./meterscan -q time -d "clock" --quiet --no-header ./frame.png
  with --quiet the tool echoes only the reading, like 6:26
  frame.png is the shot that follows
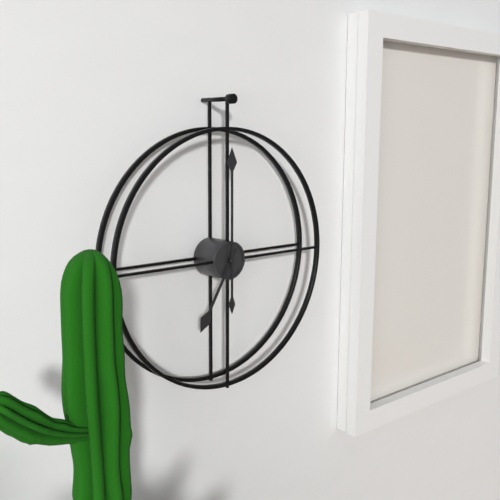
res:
7:00
